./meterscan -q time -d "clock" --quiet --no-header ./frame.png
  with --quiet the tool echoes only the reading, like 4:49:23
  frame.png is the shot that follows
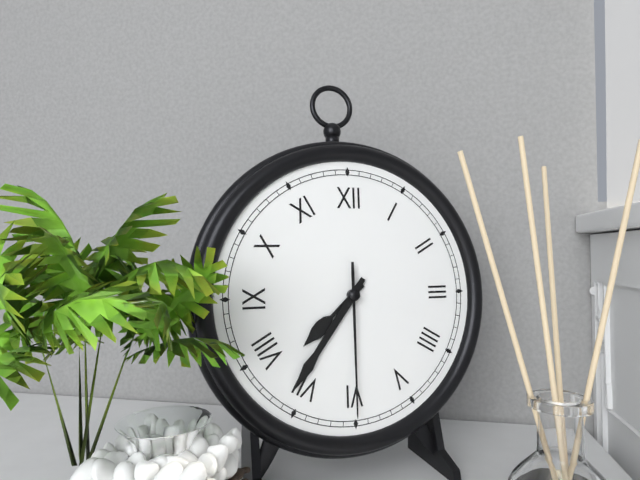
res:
7:36:30
